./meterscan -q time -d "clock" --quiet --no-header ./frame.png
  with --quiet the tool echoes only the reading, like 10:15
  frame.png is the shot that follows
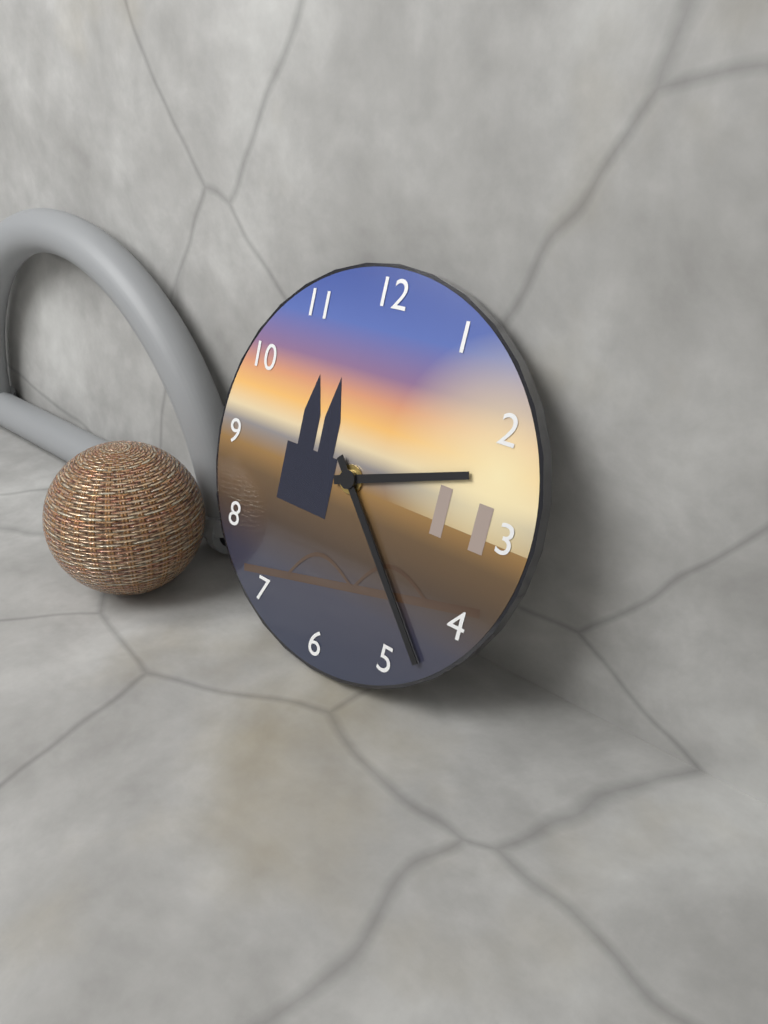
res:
2:23
